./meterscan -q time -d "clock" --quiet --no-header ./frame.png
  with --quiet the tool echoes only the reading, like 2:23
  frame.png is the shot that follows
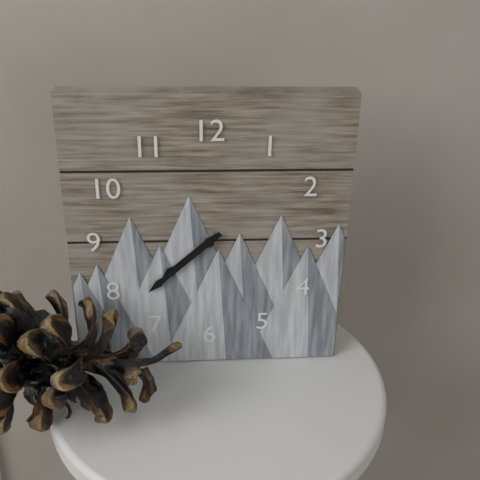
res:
7:38
